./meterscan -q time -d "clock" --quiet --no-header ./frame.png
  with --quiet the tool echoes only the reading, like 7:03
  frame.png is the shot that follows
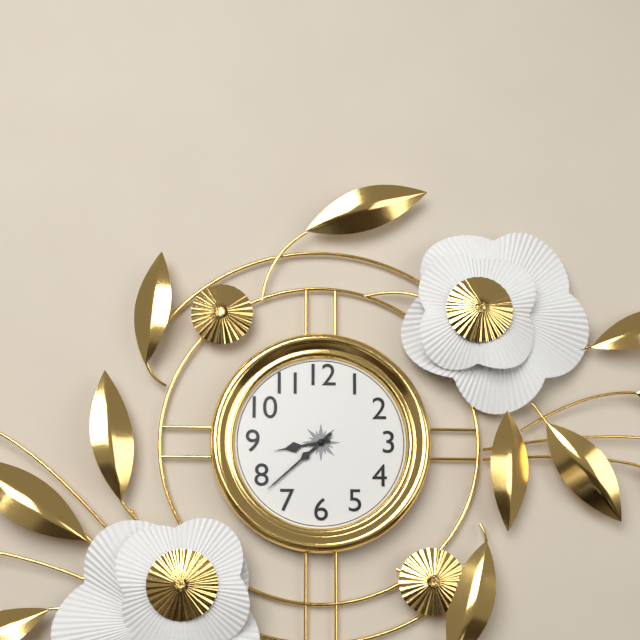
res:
8:38
